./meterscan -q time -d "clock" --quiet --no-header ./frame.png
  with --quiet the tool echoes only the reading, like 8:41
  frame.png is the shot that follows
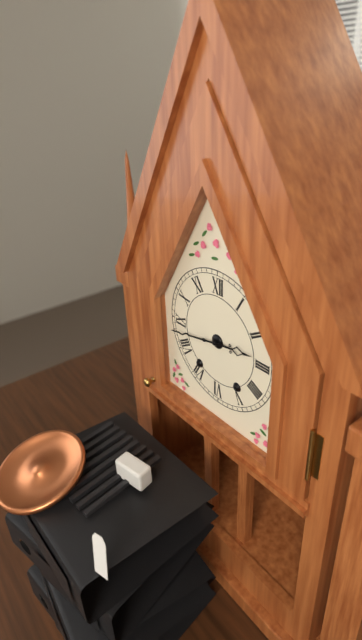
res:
2:43
